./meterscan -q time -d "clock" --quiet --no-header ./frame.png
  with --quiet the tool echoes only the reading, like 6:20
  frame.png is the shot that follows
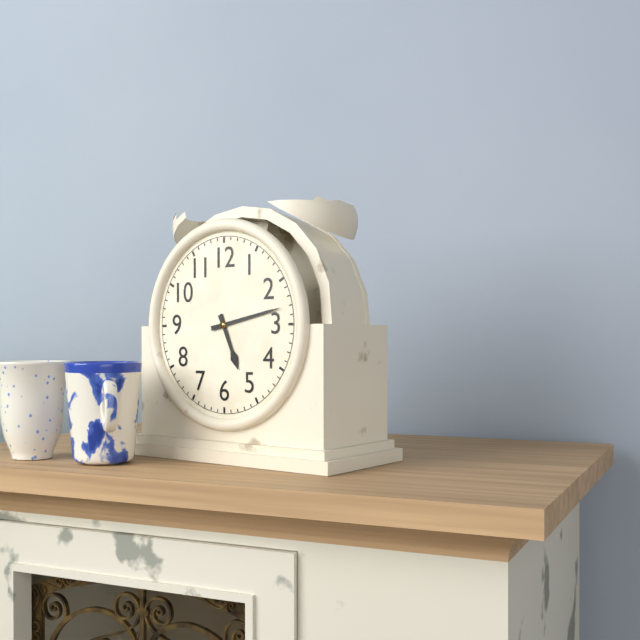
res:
5:13
